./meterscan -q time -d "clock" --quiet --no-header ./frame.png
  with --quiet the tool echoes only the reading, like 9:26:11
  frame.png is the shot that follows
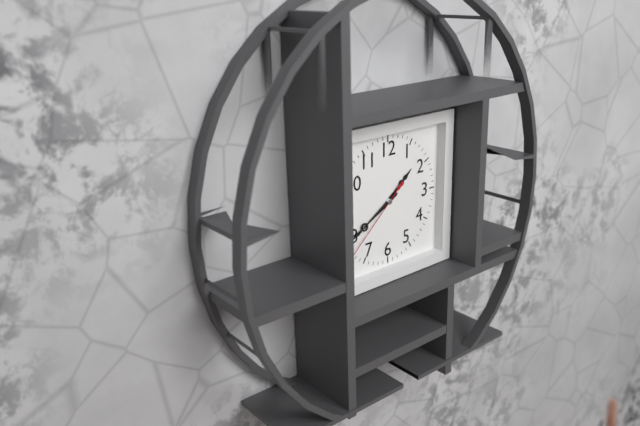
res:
1:40:38
